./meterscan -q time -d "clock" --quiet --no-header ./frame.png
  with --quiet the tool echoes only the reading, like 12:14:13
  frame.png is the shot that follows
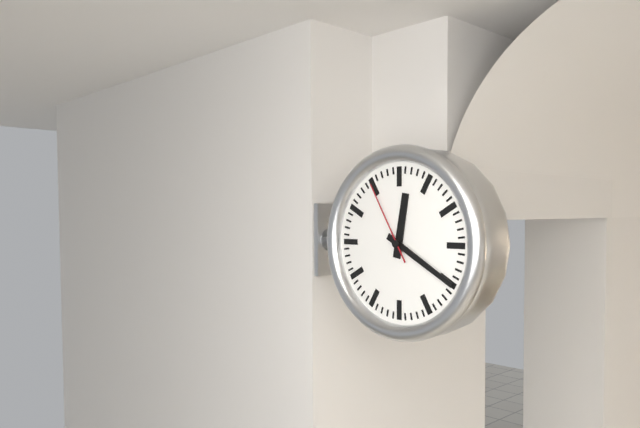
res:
12:20:55
